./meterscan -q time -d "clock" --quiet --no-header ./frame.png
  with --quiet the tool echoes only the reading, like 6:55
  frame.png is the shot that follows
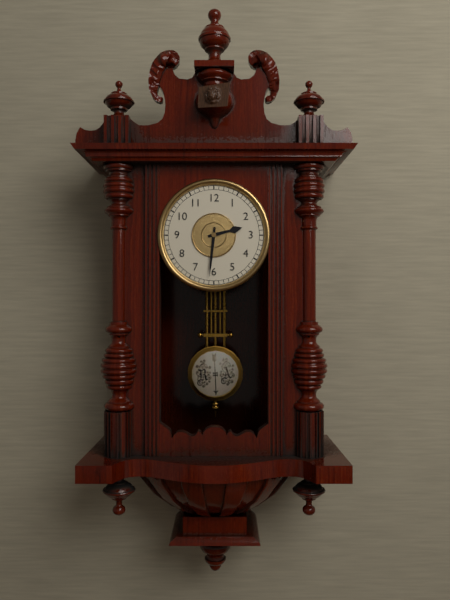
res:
2:31
